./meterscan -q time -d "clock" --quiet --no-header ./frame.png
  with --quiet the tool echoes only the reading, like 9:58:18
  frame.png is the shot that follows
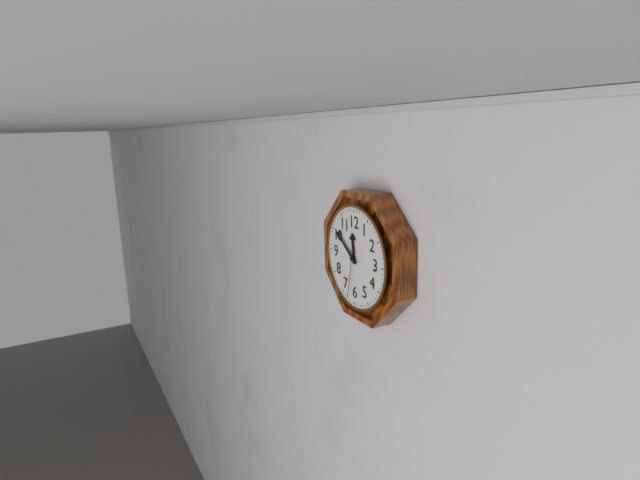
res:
11:51:32
